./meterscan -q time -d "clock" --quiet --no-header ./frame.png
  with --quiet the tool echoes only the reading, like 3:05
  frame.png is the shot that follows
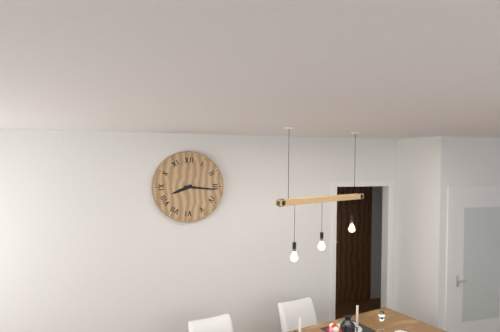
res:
8:16
